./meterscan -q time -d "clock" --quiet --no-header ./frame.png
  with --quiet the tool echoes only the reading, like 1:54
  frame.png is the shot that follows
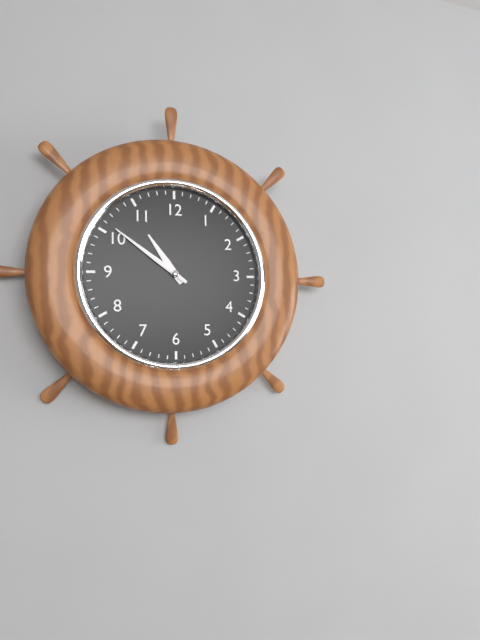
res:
10:51
